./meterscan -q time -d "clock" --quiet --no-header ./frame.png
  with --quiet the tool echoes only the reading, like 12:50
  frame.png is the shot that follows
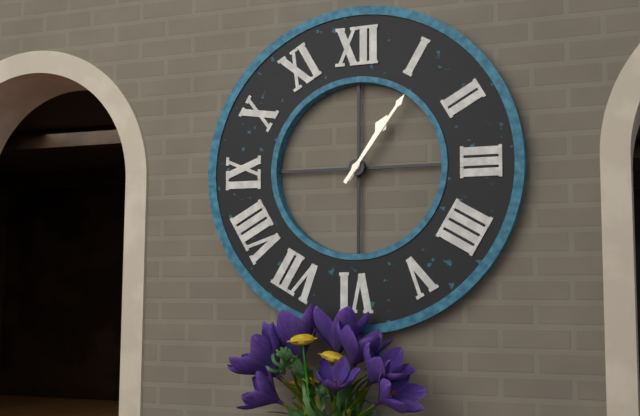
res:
1:06
